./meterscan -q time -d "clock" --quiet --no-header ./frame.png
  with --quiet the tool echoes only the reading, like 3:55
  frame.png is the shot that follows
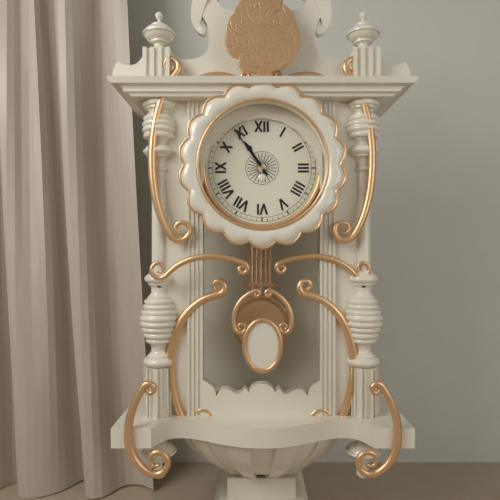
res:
10:54
